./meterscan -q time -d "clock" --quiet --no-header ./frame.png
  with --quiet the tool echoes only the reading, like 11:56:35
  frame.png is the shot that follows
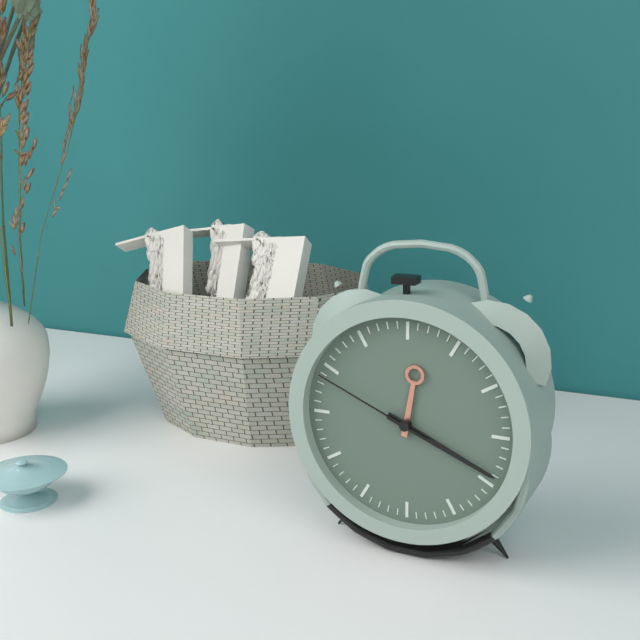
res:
12:19:49
